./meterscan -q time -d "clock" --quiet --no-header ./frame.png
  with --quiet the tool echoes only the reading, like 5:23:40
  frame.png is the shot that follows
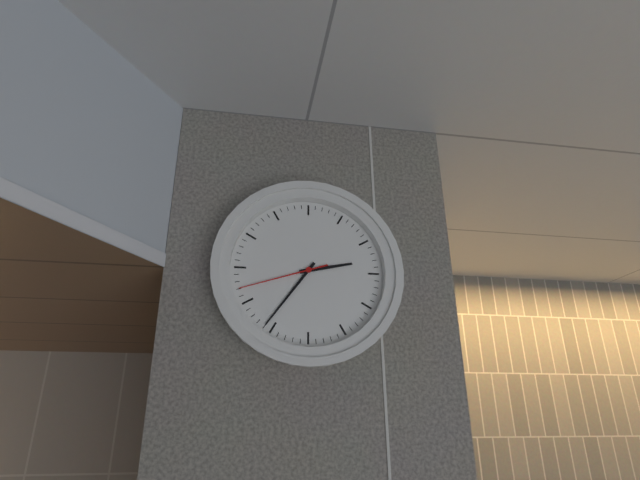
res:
2:36:42
